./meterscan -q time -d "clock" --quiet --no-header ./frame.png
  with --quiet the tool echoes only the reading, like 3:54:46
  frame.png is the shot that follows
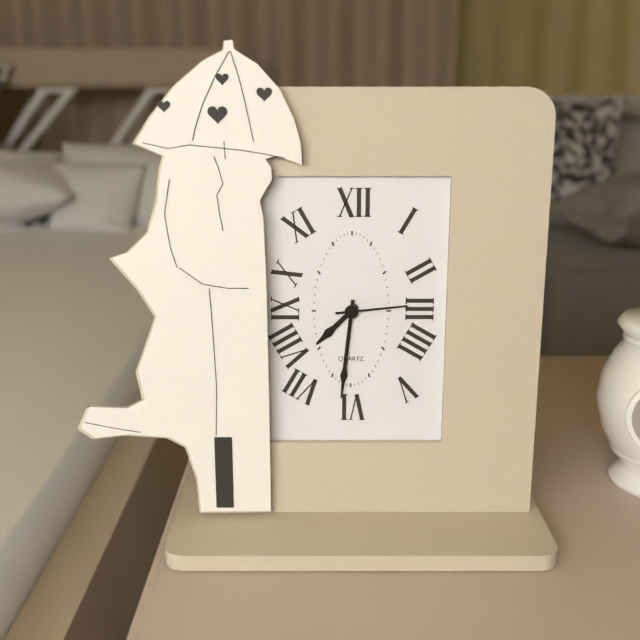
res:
7:31:14
